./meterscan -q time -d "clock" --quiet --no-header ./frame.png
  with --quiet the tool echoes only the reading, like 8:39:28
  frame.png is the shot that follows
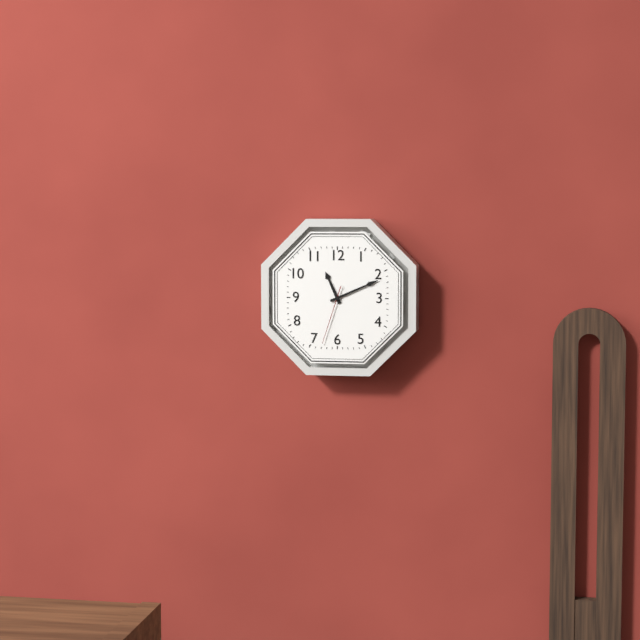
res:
11:11:33
